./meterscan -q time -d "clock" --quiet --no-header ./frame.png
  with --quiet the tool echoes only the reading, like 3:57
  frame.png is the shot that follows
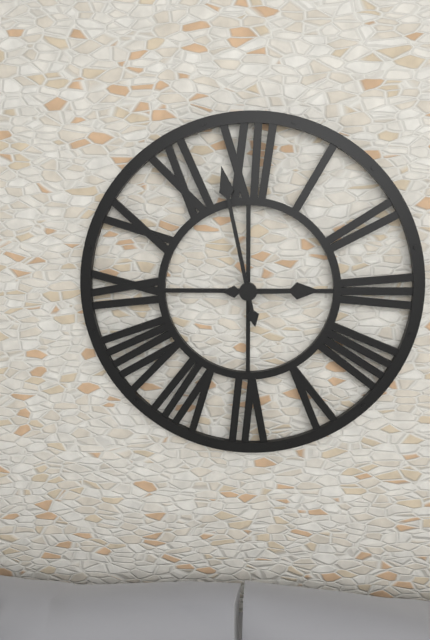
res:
2:58
